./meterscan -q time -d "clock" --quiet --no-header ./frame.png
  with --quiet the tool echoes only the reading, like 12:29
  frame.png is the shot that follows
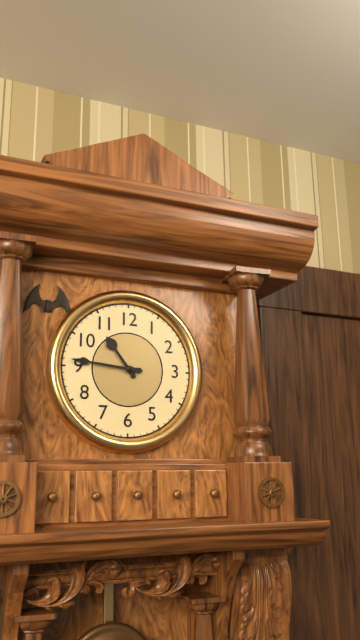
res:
10:46
